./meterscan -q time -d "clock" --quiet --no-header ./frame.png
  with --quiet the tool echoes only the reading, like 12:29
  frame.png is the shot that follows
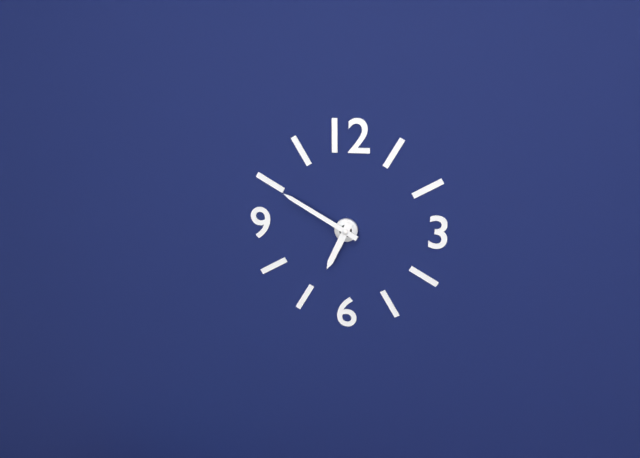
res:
6:50
